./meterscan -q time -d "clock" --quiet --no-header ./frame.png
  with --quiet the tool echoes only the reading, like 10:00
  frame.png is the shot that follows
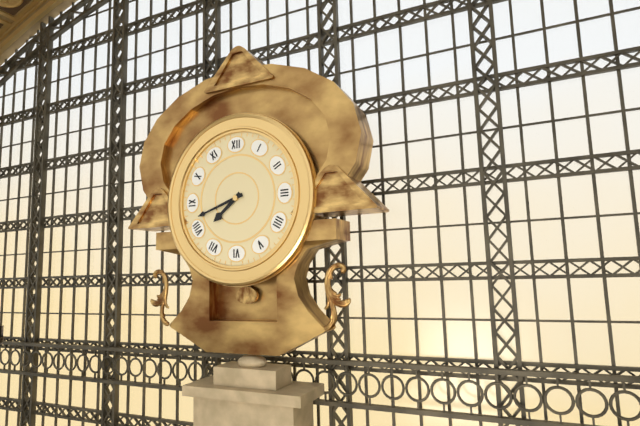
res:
7:42
